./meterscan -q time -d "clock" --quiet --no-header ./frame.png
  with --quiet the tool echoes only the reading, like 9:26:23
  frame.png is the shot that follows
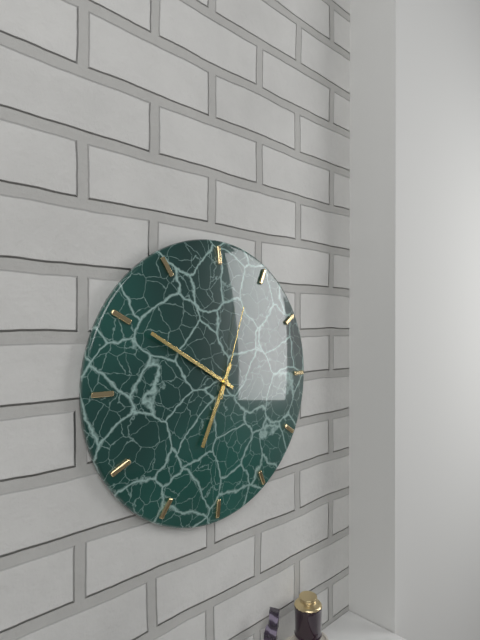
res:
6:50:03
